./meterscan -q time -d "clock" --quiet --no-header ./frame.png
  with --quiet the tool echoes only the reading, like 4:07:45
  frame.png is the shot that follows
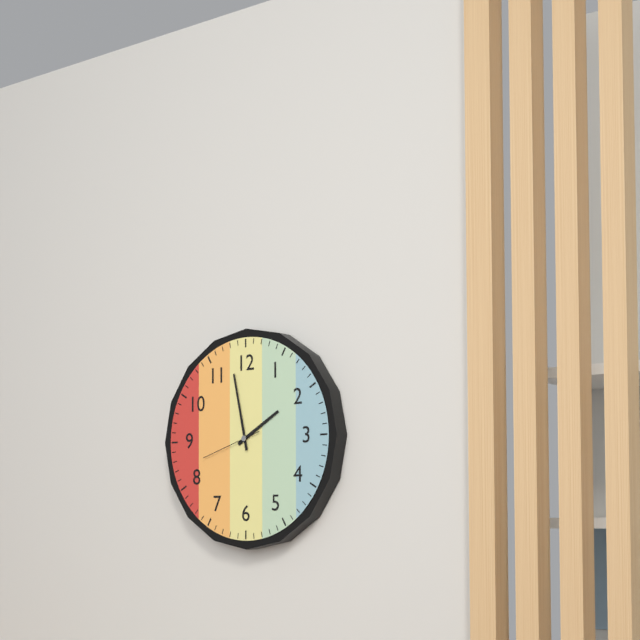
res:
1:58:42
